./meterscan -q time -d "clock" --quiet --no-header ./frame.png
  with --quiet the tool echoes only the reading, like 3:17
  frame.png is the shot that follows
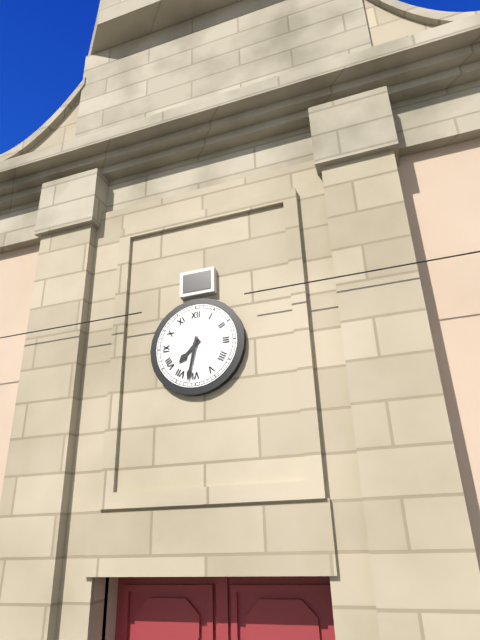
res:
7:32
